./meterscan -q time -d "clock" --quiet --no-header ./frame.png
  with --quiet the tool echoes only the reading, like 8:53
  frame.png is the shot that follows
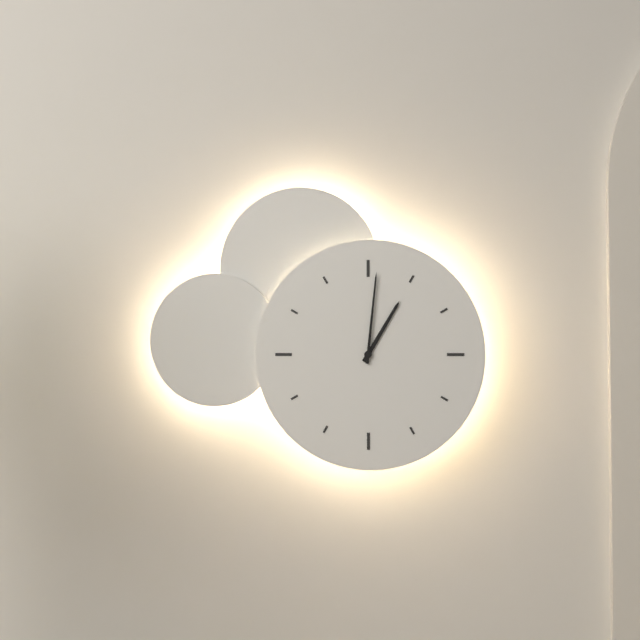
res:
1:01
